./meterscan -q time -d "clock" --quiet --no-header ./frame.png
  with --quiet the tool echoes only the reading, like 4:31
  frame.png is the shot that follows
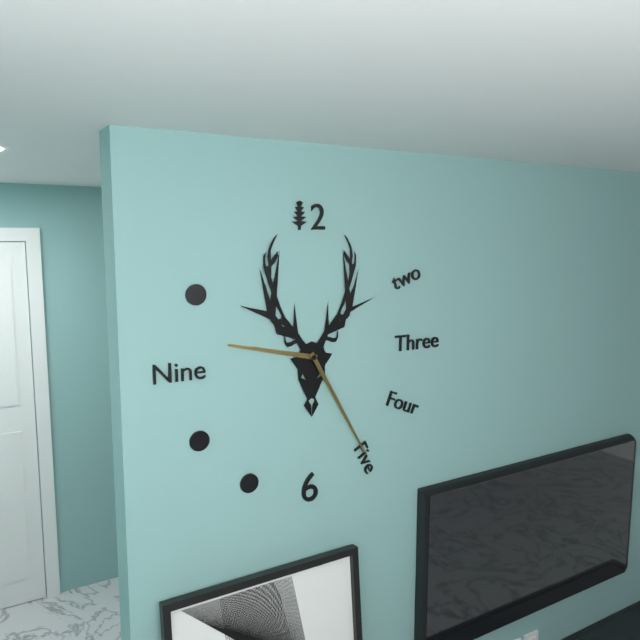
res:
9:25
